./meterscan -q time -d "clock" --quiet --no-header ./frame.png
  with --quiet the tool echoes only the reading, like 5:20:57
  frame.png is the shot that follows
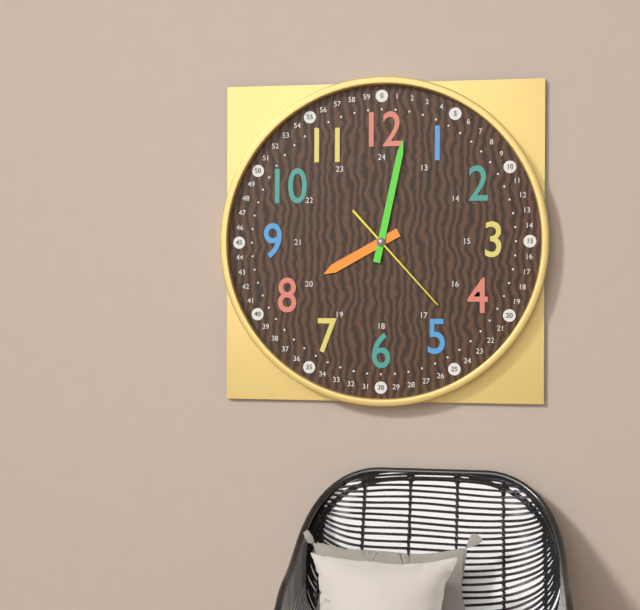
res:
8:02:23
